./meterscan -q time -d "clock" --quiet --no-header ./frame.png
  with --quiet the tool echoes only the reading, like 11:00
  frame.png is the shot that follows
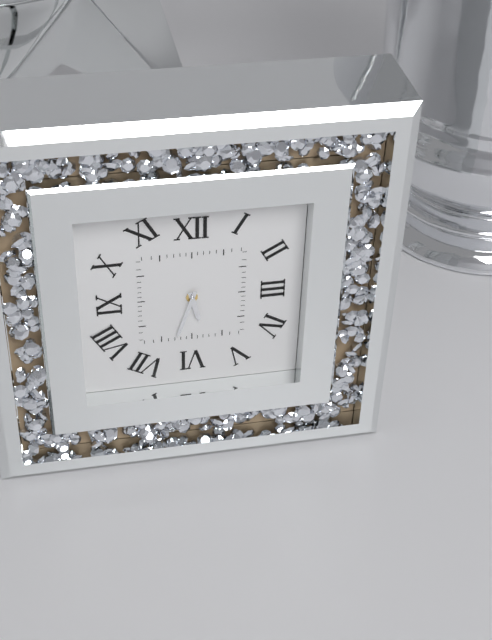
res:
5:33
